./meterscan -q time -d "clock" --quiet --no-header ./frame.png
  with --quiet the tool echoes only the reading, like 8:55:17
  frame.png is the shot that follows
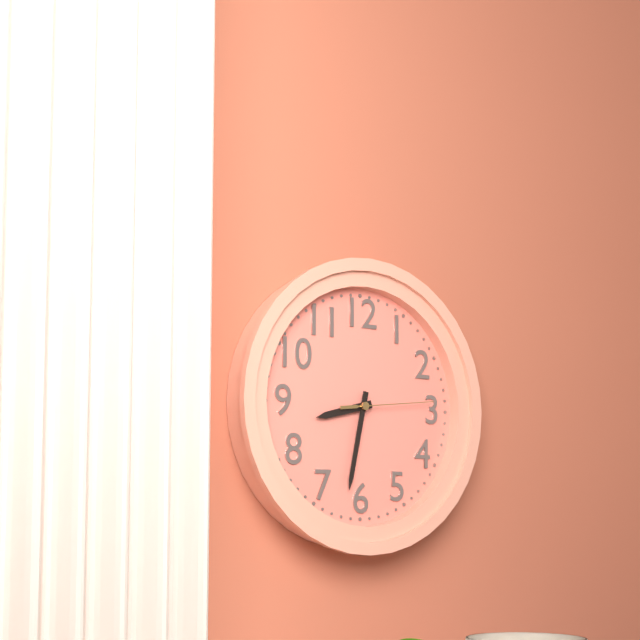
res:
8:32:14
